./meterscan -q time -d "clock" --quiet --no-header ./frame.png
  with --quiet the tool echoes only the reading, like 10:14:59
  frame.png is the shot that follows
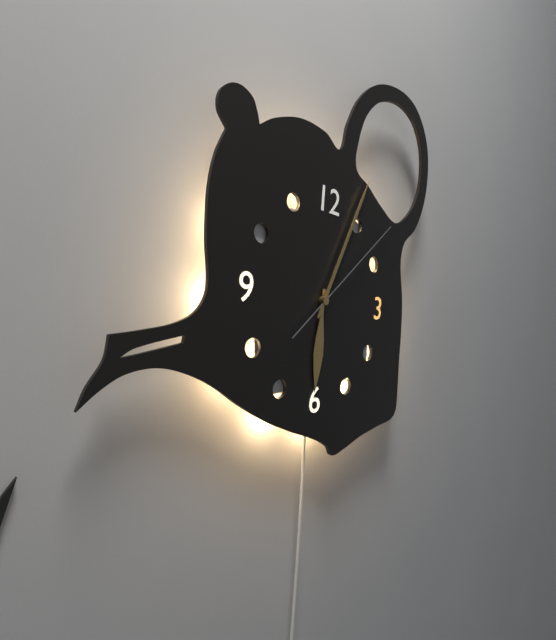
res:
6:04:08
